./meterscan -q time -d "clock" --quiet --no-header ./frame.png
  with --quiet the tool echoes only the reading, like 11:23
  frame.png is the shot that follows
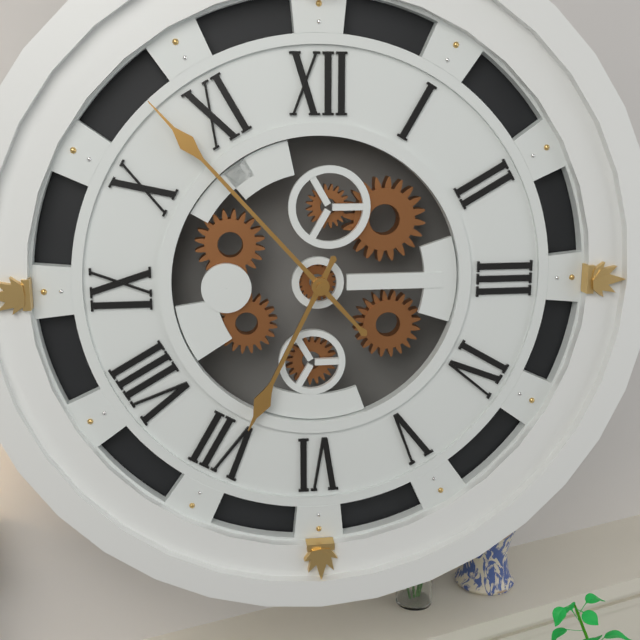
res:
6:53
